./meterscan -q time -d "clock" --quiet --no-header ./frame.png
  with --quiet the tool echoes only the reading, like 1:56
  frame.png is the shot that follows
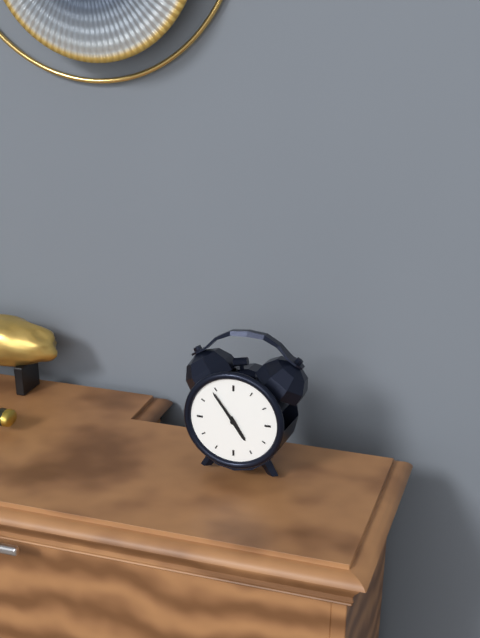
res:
4:54
